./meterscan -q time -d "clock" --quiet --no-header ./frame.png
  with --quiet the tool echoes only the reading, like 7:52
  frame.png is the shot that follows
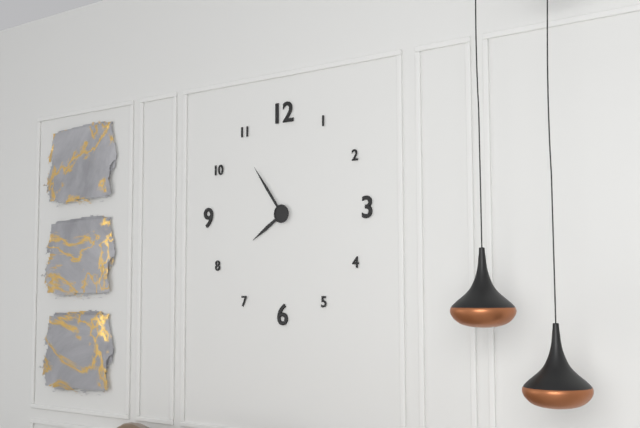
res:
7:54
